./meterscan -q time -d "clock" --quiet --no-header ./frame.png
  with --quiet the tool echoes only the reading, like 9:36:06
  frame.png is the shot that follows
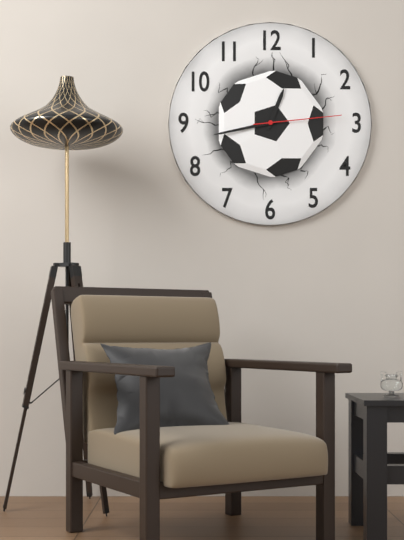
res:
12:43:14
